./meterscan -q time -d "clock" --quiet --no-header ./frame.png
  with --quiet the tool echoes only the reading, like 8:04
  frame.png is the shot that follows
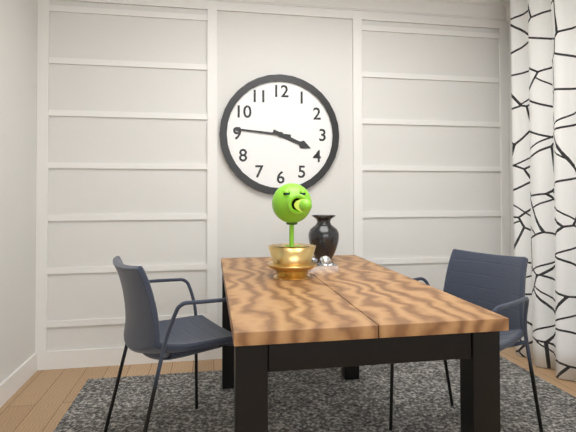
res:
3:46
